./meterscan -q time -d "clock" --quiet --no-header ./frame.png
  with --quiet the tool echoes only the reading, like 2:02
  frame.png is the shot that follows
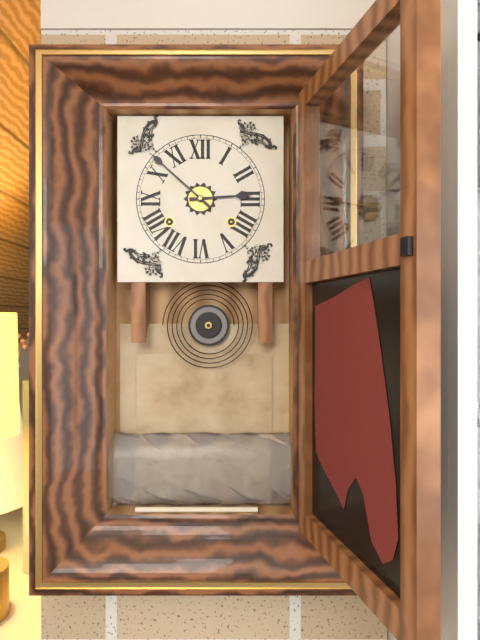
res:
2:52
